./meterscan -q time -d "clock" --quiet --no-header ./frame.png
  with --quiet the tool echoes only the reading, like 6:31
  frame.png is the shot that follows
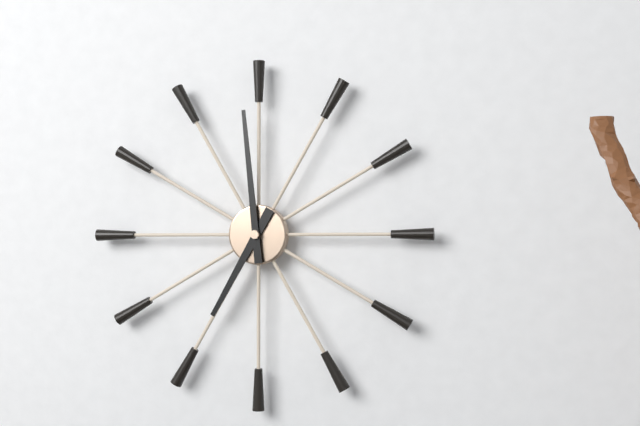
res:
6:59
